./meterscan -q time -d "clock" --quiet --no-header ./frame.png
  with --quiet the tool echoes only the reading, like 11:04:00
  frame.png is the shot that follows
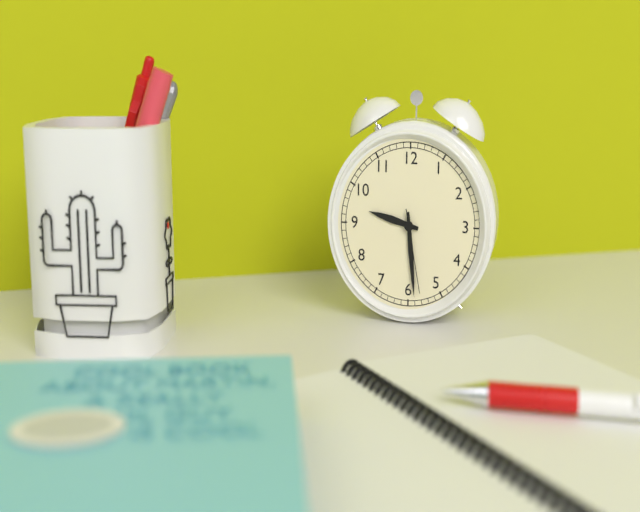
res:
9:29:28
